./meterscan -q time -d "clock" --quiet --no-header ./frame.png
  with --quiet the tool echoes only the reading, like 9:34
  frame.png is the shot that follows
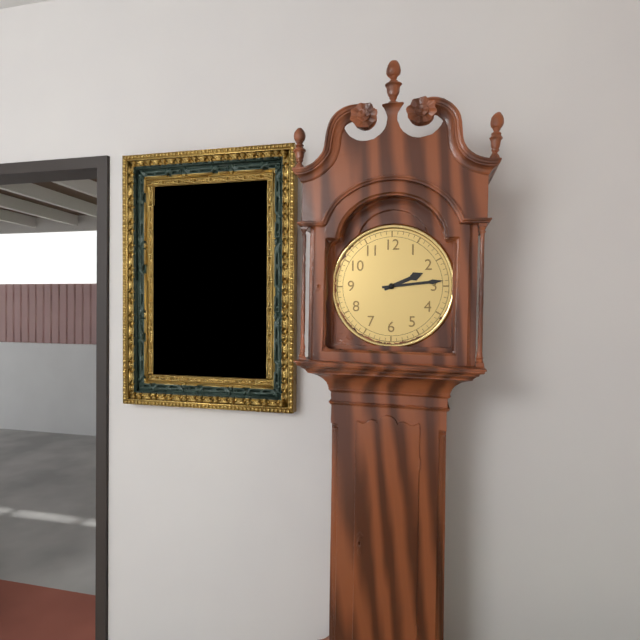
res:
2:14
